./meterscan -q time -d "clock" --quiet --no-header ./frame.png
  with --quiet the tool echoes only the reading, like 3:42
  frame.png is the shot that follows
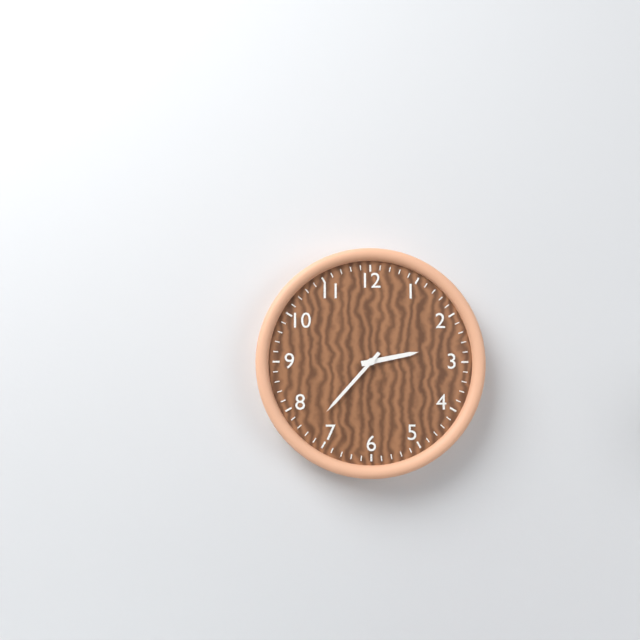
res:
2:37
